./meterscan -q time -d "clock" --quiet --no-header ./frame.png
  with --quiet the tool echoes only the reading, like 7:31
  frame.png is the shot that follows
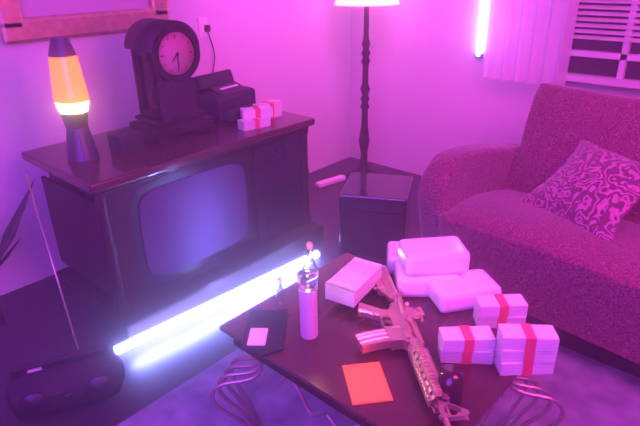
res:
7:30
